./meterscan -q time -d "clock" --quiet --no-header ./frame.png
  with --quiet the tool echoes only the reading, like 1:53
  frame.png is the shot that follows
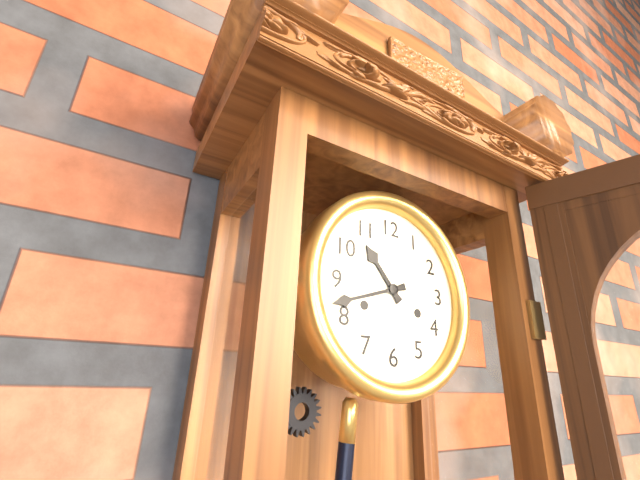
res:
10:42
